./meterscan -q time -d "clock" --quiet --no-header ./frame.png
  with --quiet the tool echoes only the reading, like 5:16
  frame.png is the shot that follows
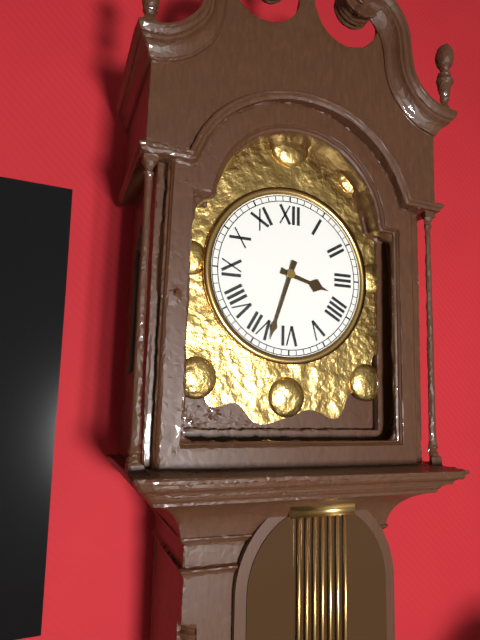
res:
3:33
